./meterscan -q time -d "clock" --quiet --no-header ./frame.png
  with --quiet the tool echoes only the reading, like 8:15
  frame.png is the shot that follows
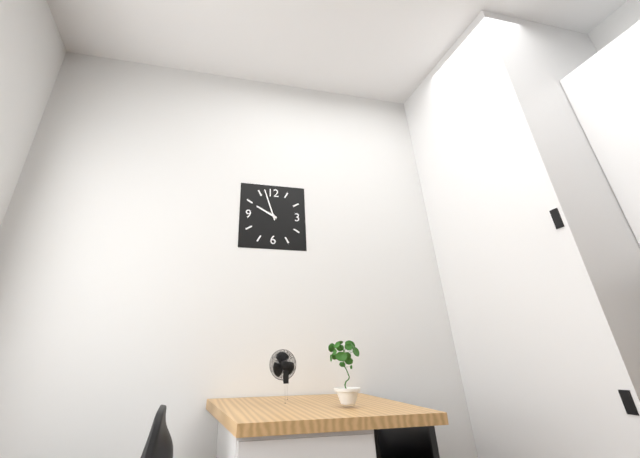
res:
9:57
